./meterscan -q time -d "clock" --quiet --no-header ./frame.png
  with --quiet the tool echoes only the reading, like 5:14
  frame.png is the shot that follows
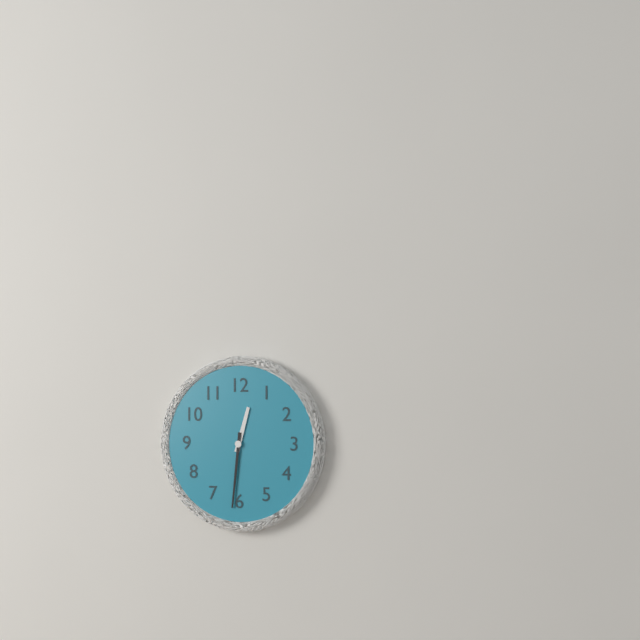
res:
12:31
